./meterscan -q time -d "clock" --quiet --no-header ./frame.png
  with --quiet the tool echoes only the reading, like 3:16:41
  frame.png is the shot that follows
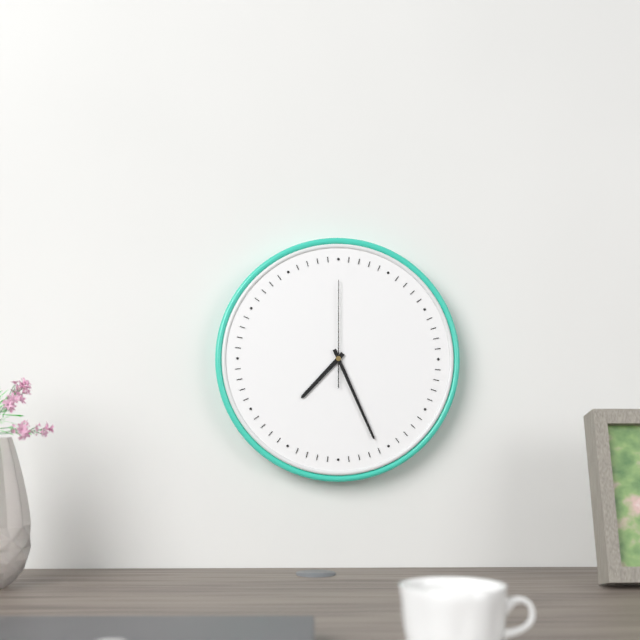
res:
7:26:00
